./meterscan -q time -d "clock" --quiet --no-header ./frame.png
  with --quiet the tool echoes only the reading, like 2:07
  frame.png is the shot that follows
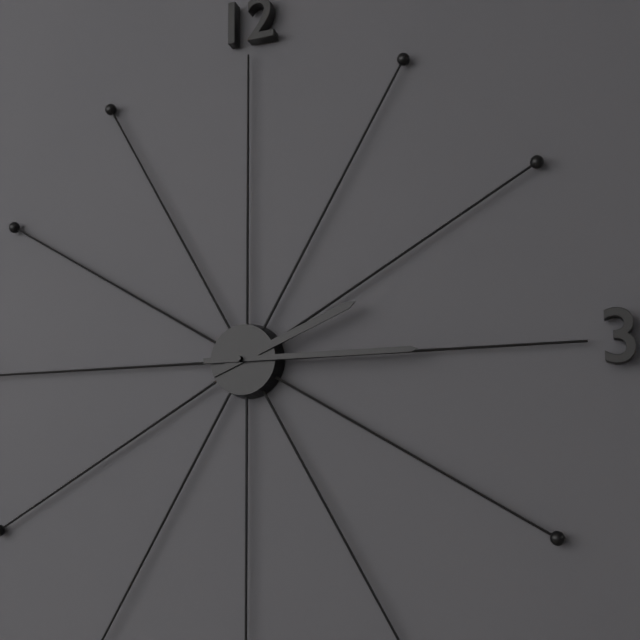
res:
2:15
